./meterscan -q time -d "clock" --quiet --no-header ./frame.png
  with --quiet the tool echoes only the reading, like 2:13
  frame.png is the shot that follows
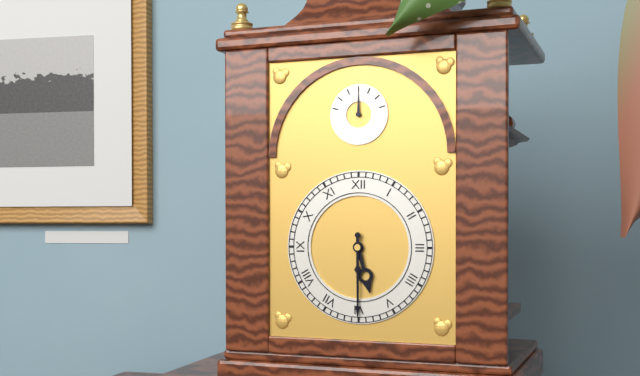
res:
5:30
